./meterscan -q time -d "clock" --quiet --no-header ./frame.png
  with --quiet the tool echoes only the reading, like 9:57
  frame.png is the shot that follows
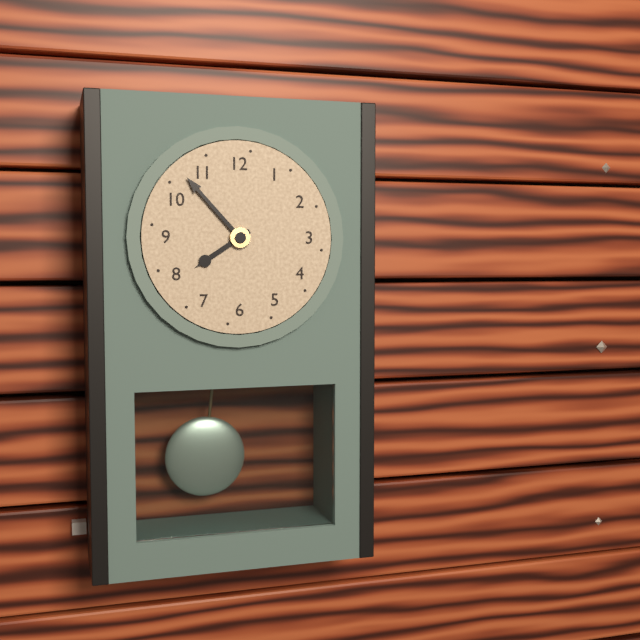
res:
7:53
